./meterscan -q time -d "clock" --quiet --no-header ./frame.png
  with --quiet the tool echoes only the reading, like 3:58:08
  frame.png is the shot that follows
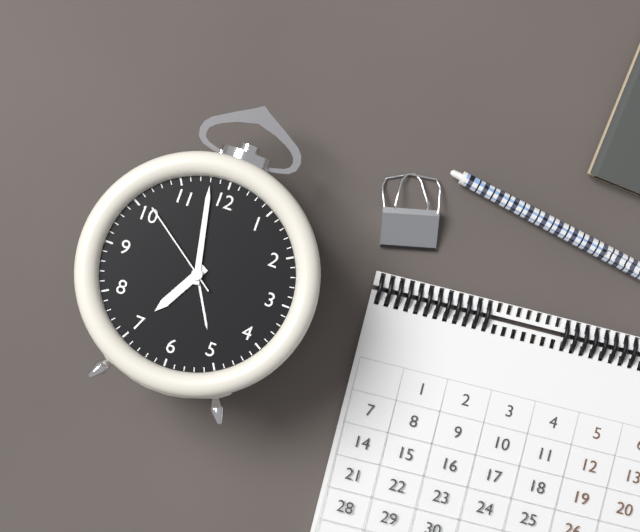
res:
6:58:51
